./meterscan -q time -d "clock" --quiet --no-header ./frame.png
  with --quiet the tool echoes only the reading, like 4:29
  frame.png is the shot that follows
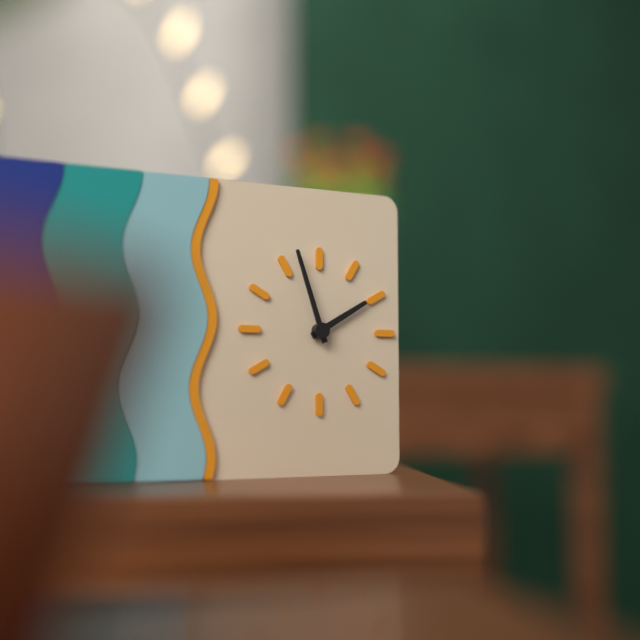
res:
1:57
